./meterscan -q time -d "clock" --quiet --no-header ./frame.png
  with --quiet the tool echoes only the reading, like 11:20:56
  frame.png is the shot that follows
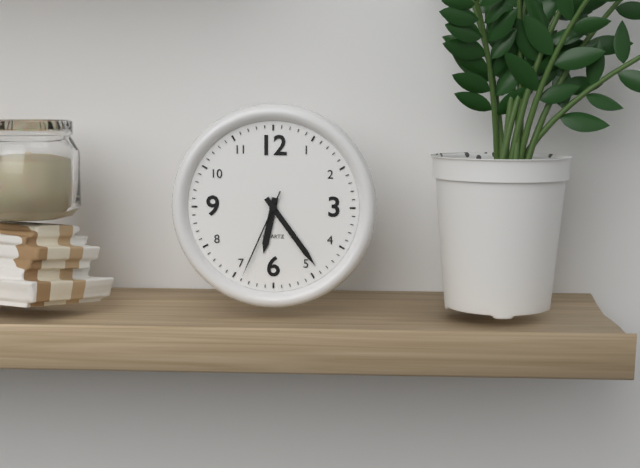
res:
6:24:34
